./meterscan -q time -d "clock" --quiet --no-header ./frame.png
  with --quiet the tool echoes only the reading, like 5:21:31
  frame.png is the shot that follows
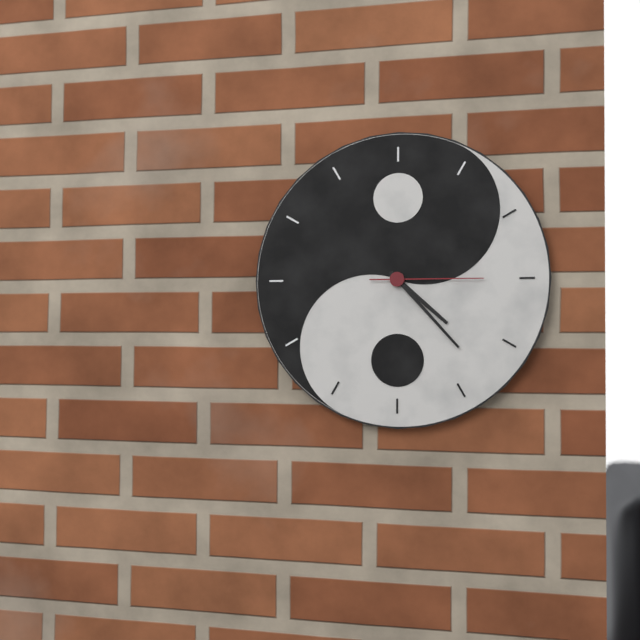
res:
4:23:15
